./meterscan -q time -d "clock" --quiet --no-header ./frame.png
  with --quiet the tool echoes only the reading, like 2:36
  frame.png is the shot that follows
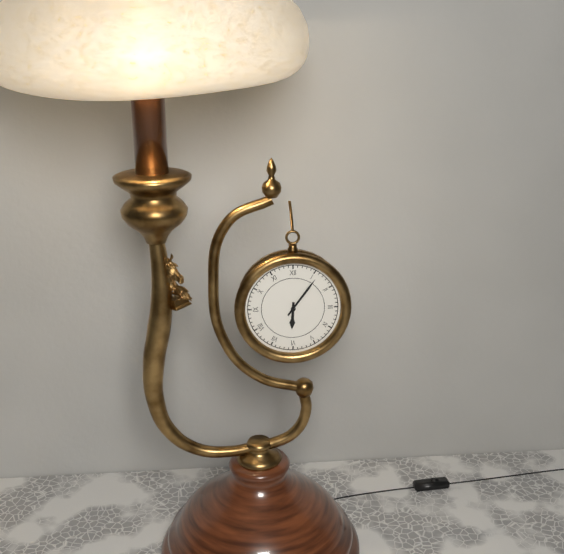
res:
6:06
